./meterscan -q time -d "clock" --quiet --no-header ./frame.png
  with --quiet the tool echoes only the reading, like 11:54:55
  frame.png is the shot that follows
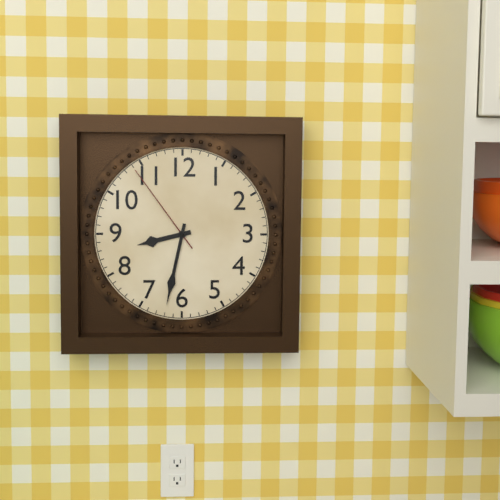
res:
8:32:54
